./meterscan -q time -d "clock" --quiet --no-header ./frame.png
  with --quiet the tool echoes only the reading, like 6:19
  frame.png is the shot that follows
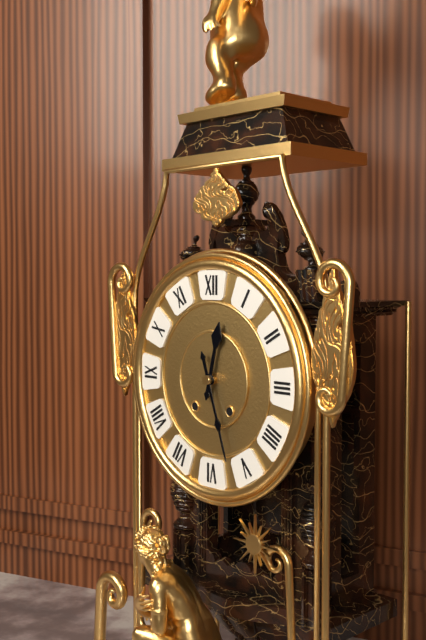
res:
12:27
